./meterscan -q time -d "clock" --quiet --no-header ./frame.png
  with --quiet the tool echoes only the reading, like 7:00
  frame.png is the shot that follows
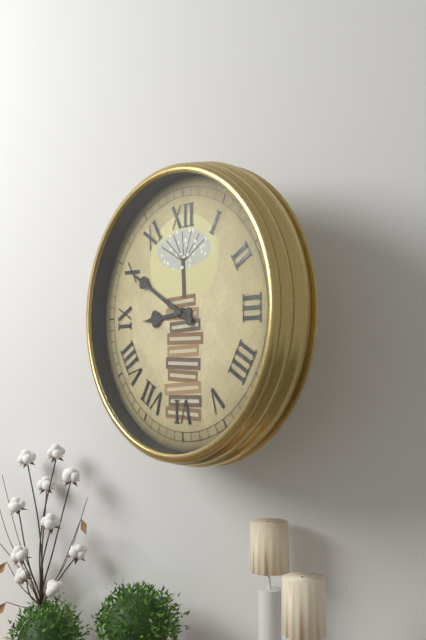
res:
8:50
